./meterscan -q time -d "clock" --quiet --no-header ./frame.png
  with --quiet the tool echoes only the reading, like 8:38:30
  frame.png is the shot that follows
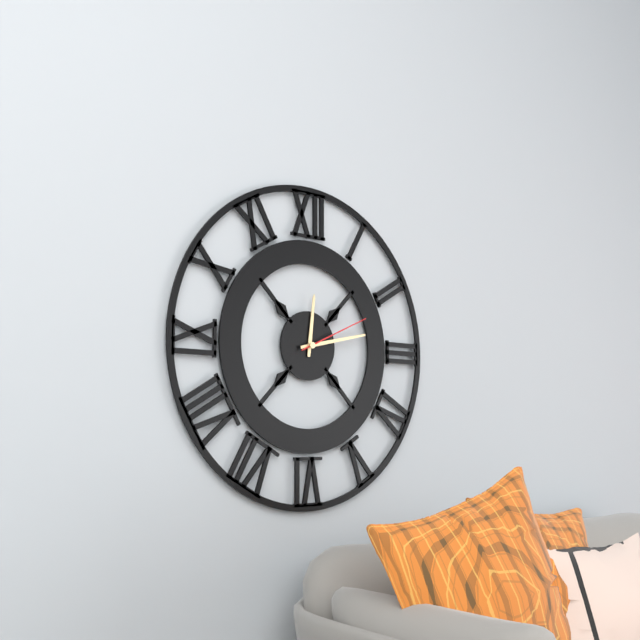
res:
12:13:11
